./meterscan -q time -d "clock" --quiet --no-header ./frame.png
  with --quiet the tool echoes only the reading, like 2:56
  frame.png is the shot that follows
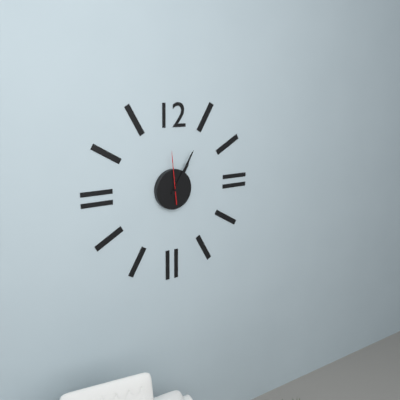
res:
1:05
